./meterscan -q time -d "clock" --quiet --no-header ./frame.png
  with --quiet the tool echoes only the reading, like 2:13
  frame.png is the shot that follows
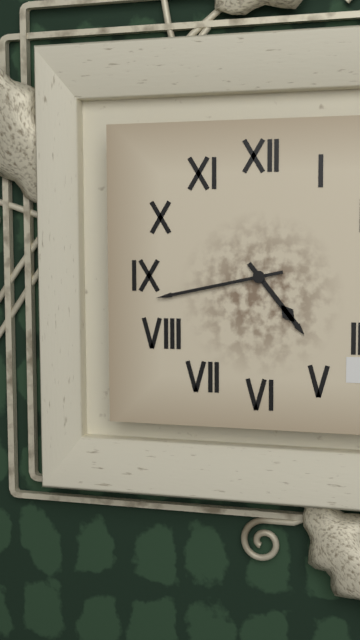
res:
4:43
